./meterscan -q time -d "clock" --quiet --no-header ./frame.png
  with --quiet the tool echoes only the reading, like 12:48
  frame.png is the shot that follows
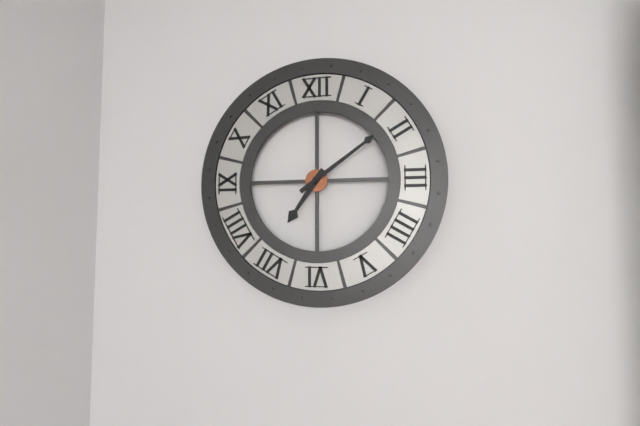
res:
7:09
